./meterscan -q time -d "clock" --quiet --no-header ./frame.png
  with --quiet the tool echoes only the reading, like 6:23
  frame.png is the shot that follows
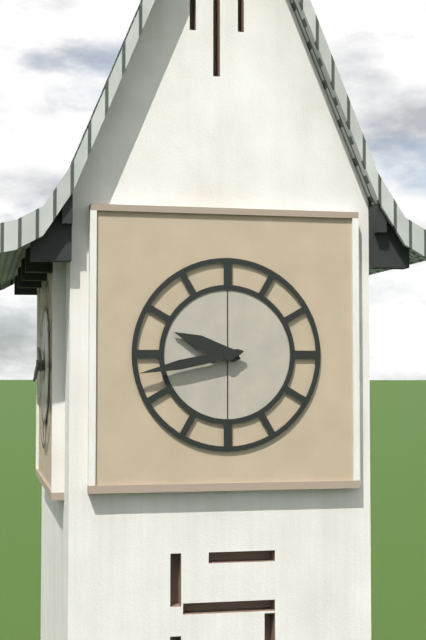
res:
9:43
